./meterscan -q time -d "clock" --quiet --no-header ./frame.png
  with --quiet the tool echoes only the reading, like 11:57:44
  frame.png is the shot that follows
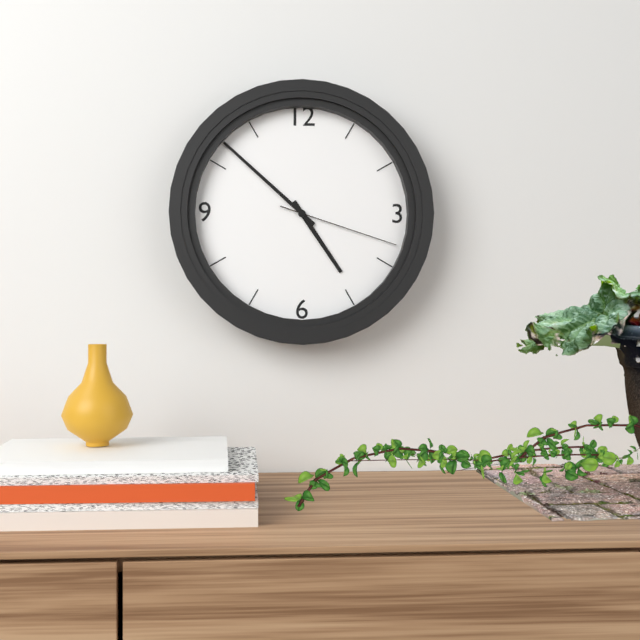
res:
4:52:18
